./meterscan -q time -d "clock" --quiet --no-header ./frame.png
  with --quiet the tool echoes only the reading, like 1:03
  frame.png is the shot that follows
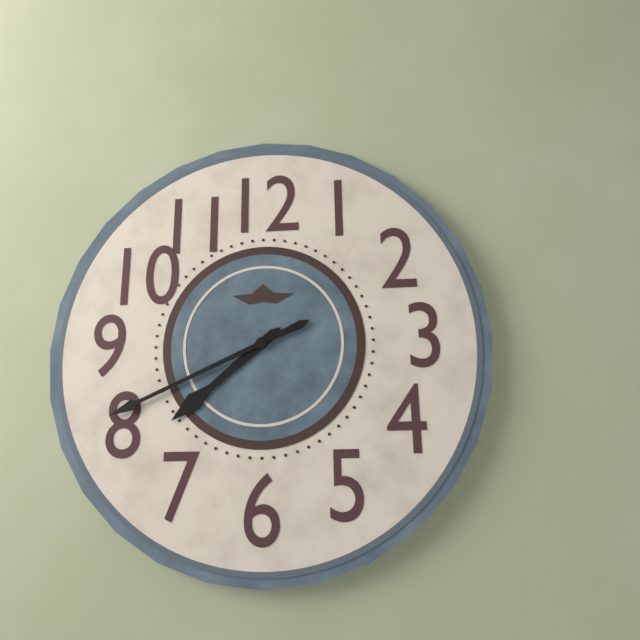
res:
7:41
